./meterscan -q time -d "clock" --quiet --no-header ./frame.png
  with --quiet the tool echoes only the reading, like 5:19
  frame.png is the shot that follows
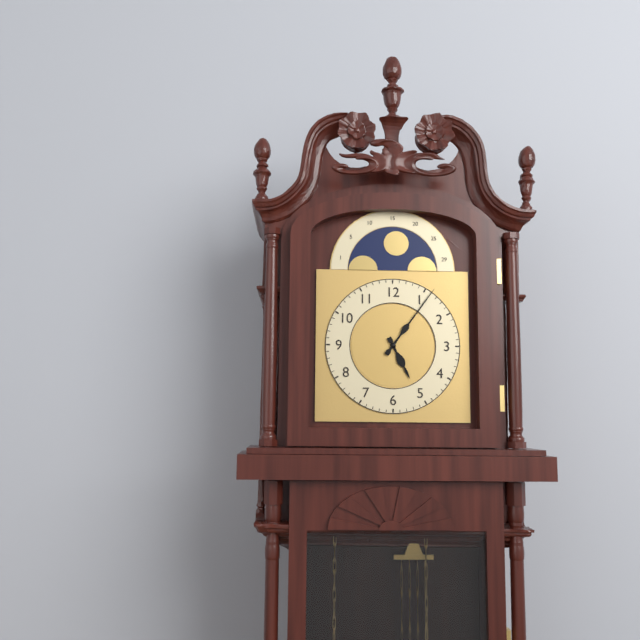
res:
5:06
